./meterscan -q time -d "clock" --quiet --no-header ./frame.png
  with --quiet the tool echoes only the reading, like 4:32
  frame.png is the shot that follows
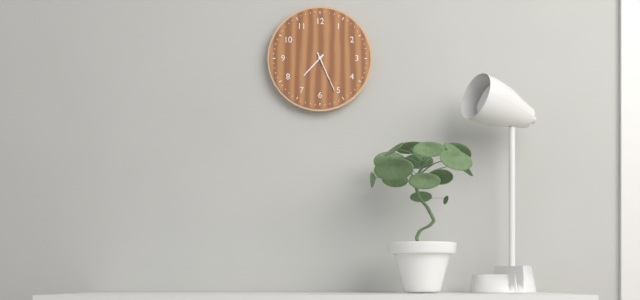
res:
7:26
